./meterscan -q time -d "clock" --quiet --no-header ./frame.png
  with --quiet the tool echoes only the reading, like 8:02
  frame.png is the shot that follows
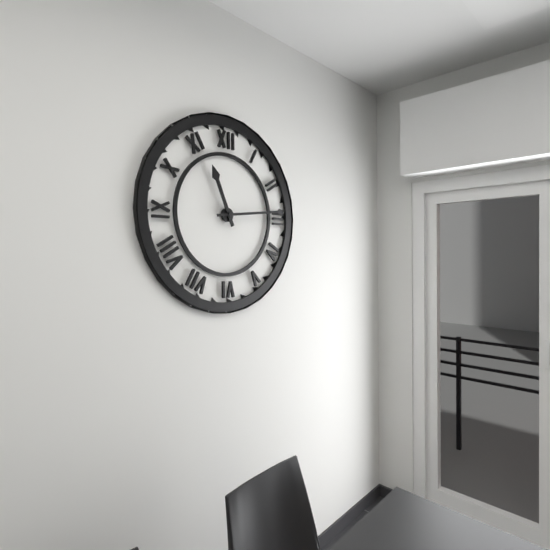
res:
11:14
